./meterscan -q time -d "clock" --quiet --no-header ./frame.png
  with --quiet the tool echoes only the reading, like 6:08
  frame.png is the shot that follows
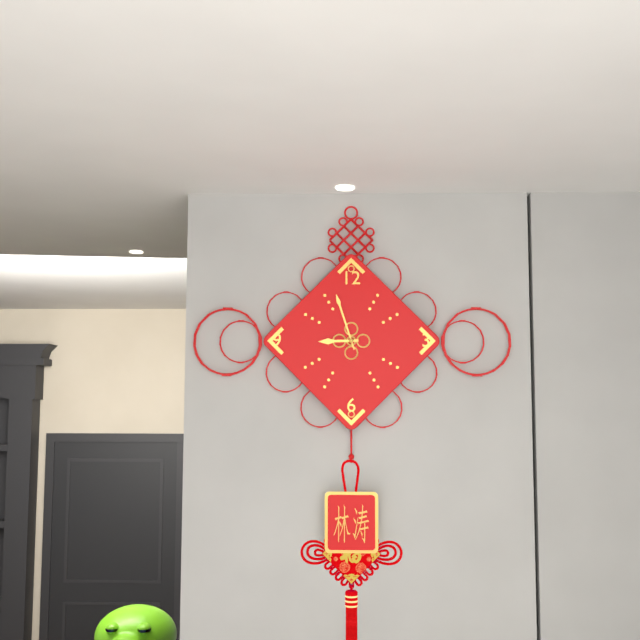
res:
8:57
